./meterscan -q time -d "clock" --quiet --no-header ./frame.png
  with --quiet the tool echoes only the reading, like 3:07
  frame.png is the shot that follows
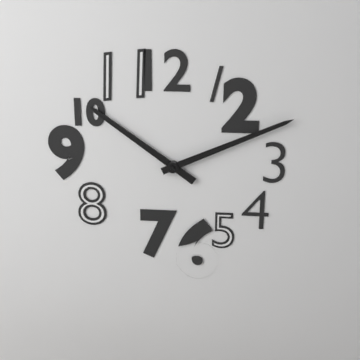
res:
10:11
